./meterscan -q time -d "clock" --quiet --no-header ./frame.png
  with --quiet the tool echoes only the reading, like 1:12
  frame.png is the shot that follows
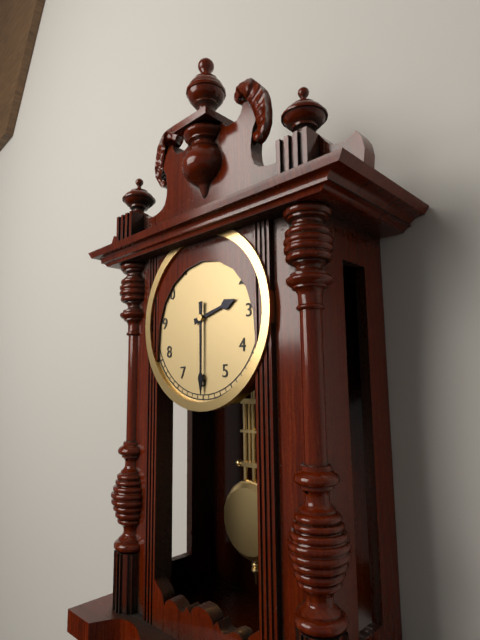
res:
2:30
